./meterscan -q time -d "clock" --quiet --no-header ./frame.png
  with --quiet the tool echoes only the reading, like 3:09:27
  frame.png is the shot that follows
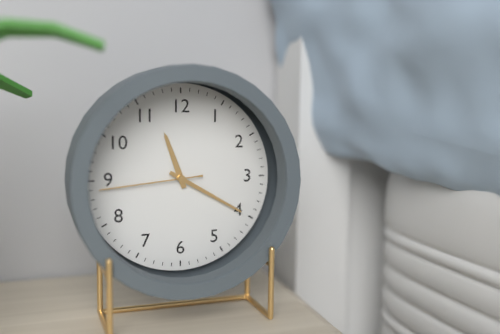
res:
11:20:44
